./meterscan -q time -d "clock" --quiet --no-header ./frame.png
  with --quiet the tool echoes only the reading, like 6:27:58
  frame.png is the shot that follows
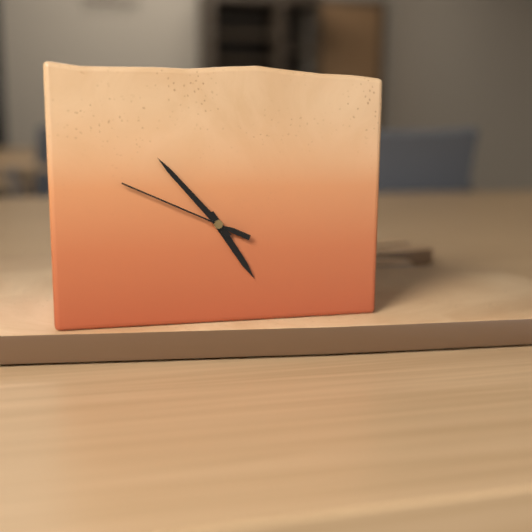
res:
4:53:49
